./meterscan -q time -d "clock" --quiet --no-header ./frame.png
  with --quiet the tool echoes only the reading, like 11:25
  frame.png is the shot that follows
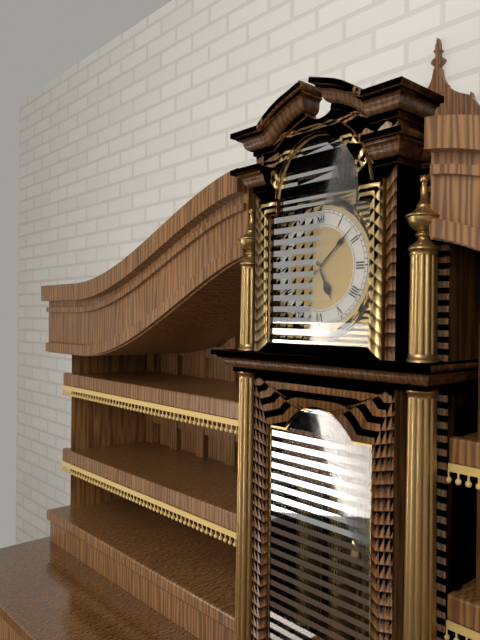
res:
5:08
